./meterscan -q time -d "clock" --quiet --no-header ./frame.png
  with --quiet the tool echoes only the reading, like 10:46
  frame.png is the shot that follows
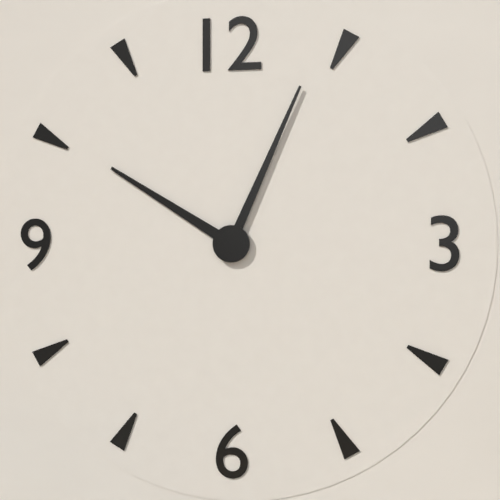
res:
10:04
